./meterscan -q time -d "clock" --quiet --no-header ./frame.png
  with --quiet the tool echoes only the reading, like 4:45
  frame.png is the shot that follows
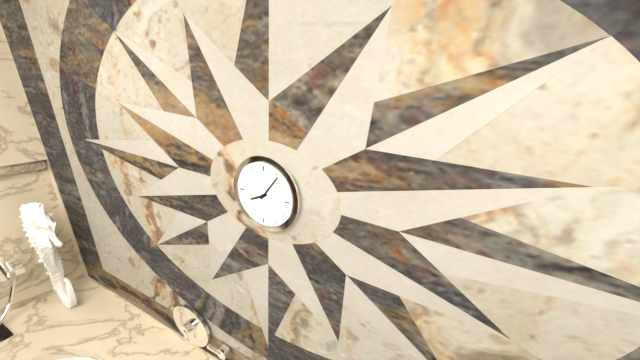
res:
8:06
